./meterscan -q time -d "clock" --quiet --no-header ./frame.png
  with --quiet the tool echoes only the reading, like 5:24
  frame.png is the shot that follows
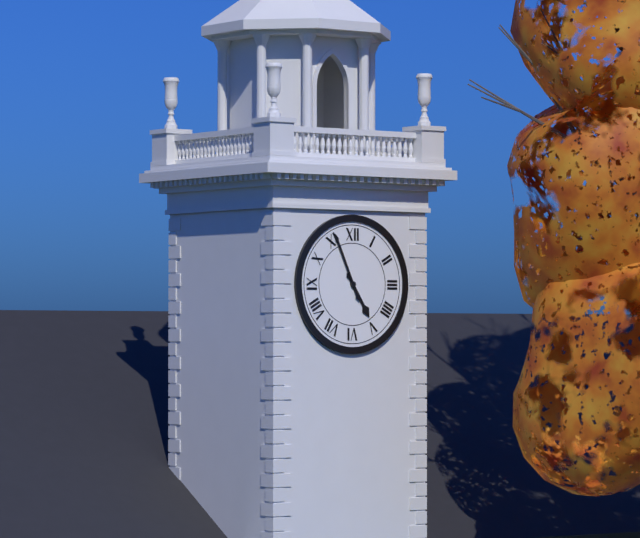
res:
4:56
